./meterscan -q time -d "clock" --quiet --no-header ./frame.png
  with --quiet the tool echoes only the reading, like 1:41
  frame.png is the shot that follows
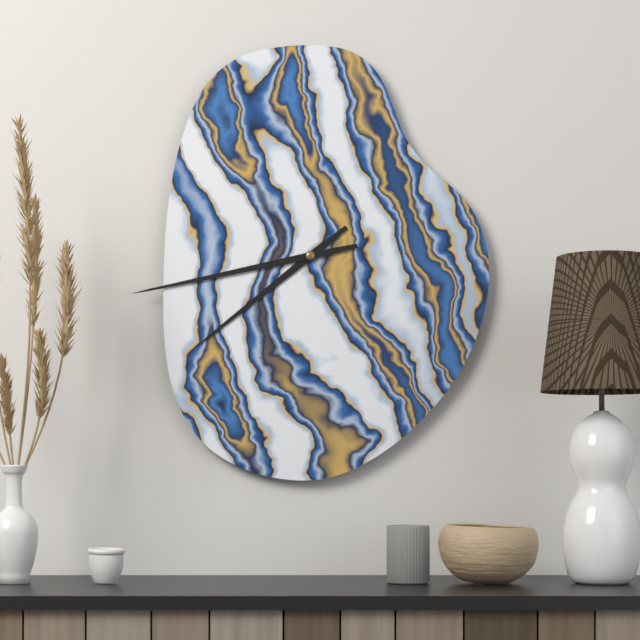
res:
7:43
